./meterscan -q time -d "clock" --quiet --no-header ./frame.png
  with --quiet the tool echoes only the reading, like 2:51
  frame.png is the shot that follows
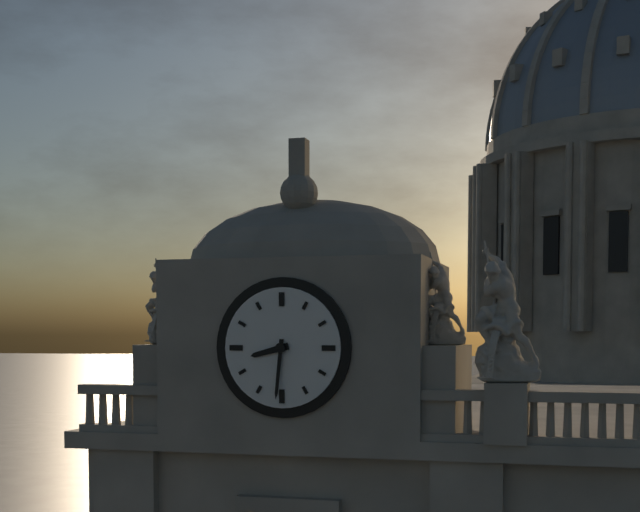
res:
8:31
